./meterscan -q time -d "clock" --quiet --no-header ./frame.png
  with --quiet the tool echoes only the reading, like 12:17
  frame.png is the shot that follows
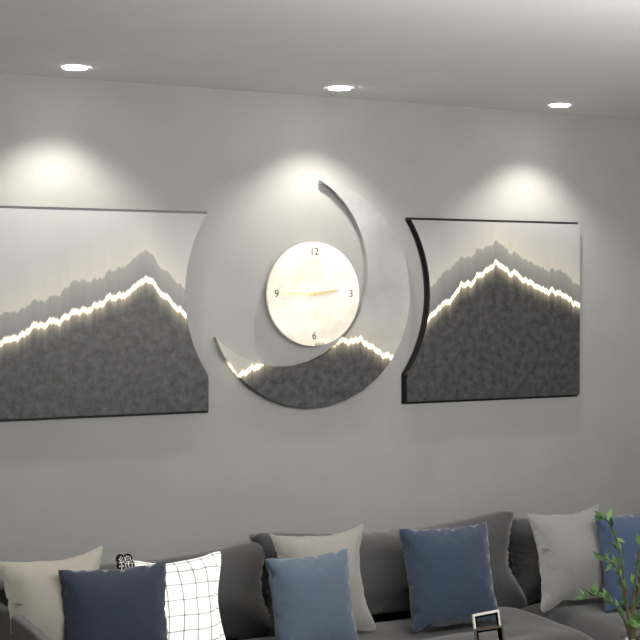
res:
2:45
